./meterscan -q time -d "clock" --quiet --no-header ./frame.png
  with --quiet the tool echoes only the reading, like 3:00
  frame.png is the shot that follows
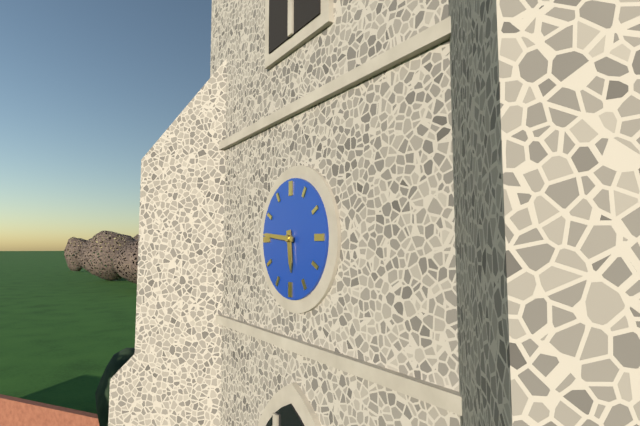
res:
5:46
